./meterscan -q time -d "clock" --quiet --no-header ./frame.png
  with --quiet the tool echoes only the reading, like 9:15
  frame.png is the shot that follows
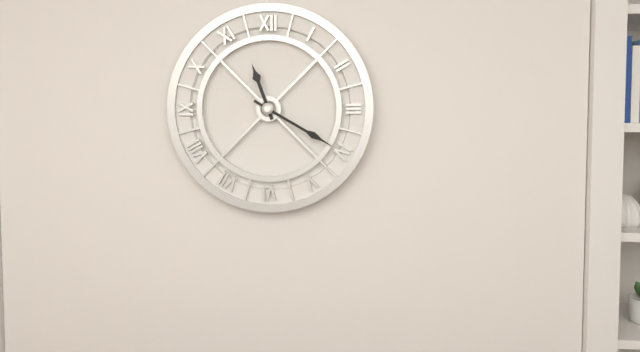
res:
11:20
